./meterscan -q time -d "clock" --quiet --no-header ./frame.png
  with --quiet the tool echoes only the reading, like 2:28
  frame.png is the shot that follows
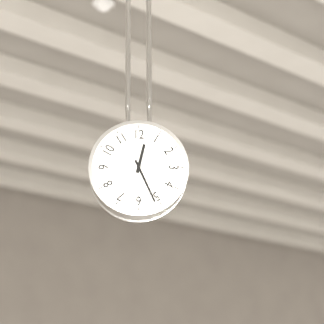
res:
12:26
